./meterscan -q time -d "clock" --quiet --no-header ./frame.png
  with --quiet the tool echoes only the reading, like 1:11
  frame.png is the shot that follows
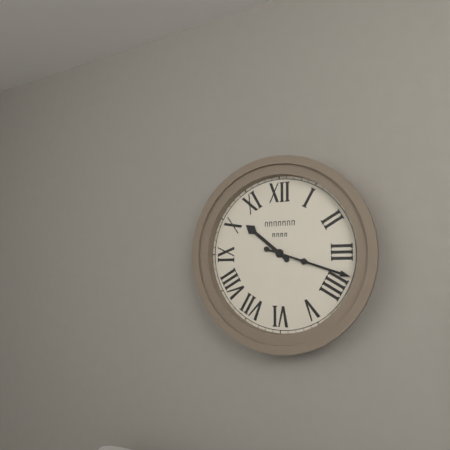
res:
10:18
